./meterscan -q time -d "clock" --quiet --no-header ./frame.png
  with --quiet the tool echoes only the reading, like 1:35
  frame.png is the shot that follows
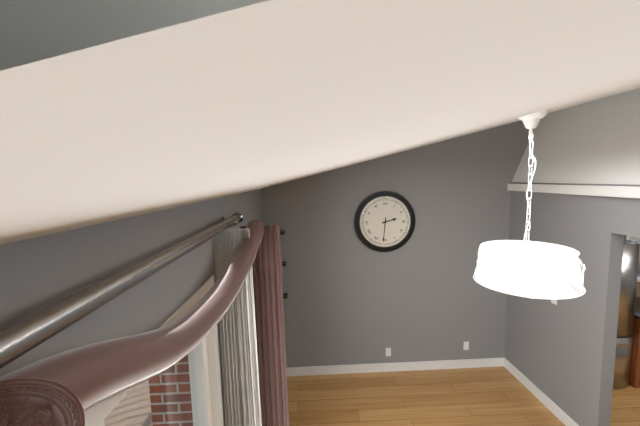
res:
2:31
